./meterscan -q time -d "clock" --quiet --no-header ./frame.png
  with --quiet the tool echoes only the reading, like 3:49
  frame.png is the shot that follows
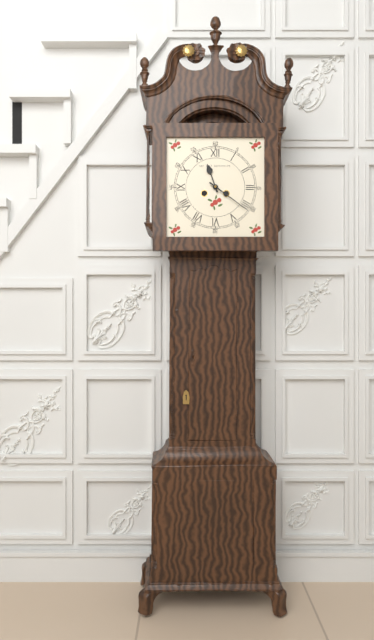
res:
11:21
